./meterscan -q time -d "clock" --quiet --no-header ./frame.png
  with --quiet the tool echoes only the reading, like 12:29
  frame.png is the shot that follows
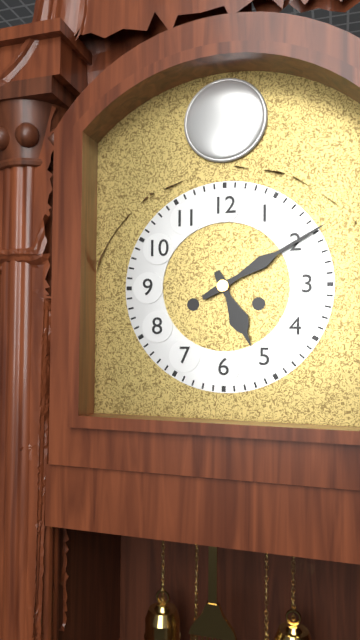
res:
5:10
